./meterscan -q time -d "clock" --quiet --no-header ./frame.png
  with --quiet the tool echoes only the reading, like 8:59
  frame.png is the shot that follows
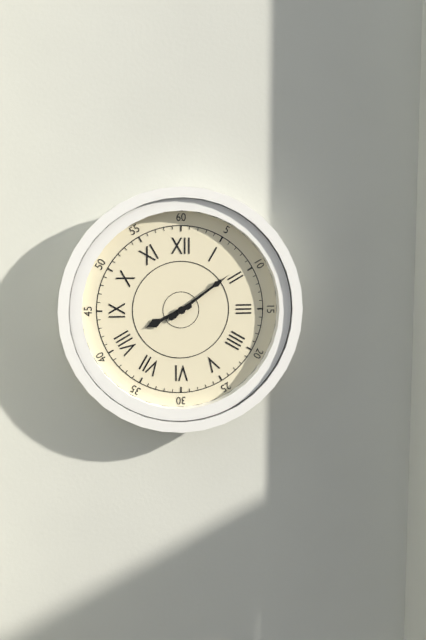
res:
8:09
